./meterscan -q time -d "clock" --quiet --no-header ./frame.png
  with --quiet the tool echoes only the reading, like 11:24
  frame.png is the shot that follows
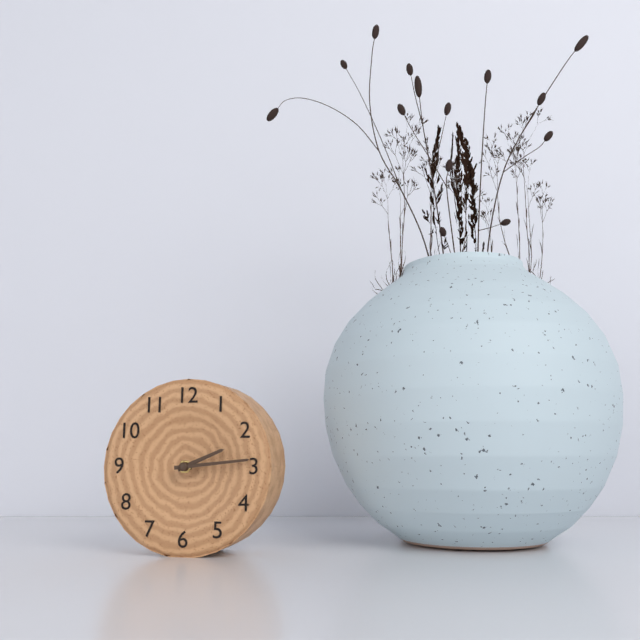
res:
2:14
